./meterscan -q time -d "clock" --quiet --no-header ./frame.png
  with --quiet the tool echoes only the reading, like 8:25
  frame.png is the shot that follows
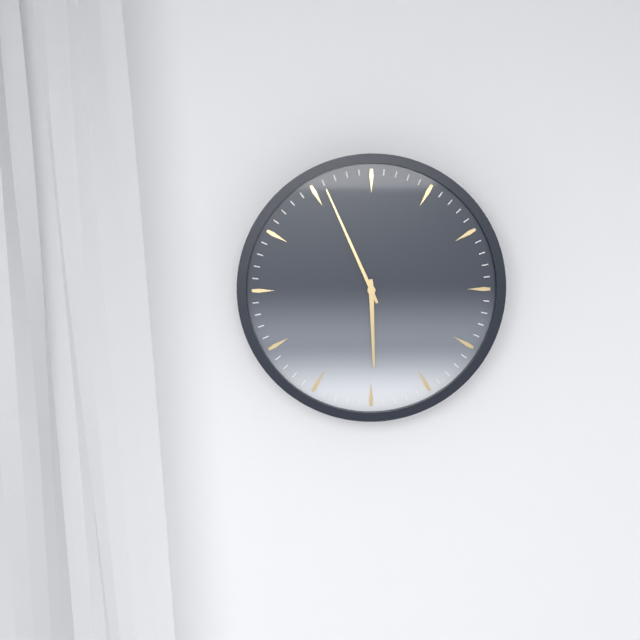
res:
5:56
